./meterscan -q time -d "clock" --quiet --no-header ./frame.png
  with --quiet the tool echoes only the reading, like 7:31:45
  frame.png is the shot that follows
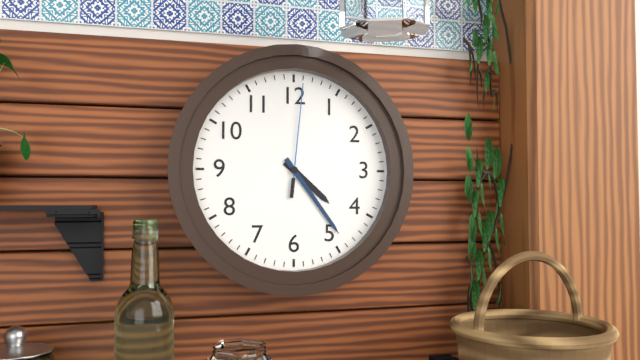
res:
4:24:01
